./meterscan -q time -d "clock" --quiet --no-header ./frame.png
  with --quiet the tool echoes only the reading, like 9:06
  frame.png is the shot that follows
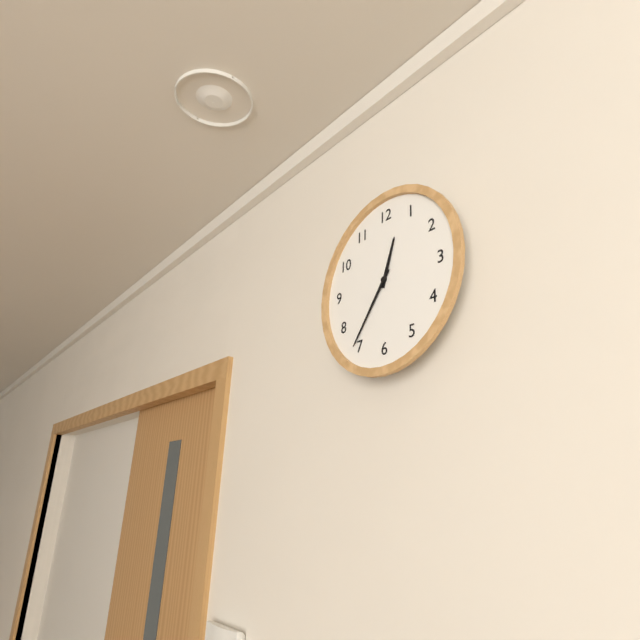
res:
12:36
